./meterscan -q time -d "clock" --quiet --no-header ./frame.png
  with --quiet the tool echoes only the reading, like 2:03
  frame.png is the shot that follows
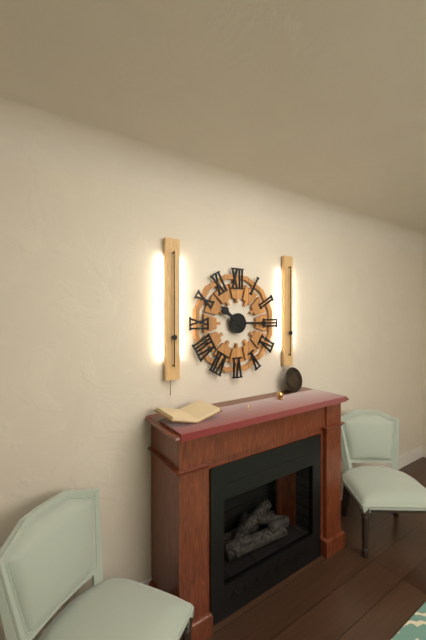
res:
10:15
